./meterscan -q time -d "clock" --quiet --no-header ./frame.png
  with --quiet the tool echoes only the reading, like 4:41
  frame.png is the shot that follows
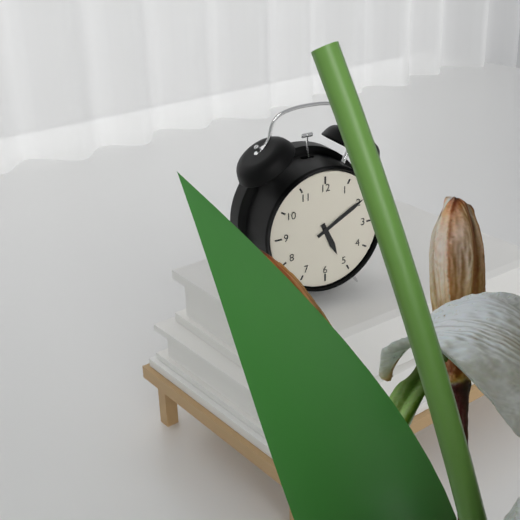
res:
5:10
